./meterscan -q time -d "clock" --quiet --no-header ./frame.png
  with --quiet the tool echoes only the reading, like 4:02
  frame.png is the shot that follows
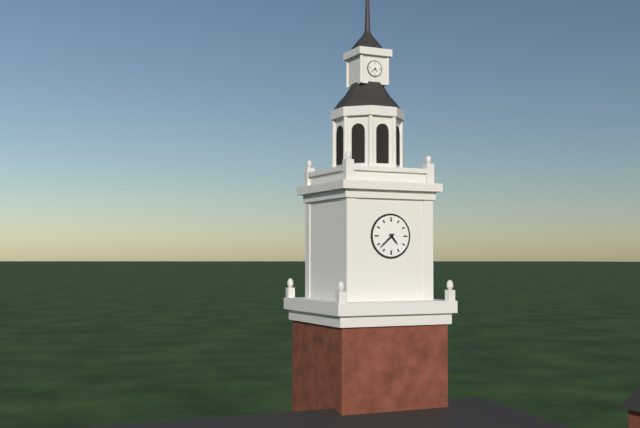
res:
4:38
